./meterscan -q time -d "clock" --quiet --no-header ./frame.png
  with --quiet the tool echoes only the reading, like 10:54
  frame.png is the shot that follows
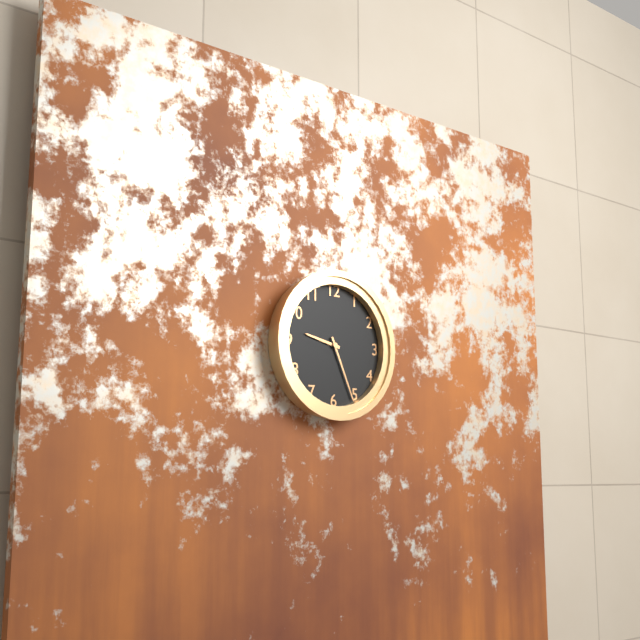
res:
9:26
